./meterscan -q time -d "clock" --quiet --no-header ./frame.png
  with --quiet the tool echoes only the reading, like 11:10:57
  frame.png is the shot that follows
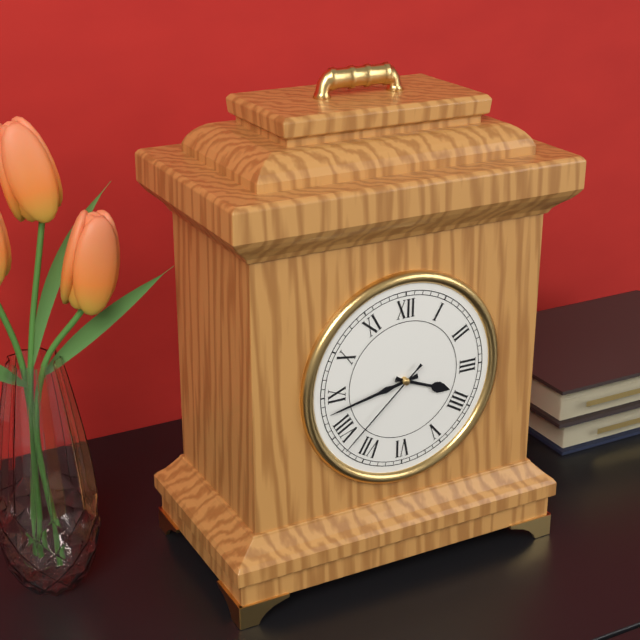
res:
3:43:38
